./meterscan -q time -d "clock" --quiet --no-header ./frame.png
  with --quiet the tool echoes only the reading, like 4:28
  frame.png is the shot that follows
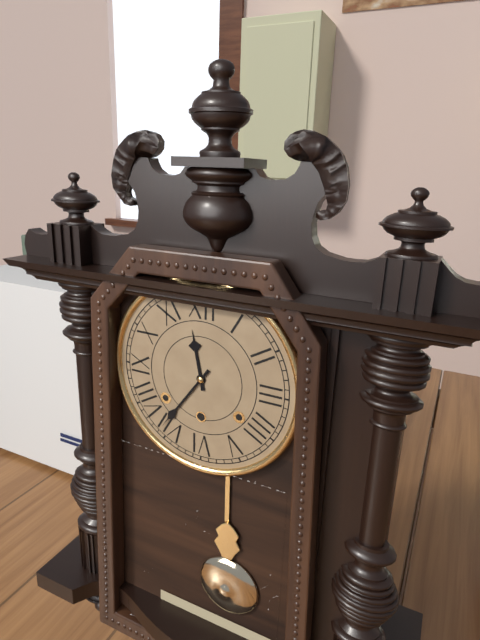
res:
11:36
